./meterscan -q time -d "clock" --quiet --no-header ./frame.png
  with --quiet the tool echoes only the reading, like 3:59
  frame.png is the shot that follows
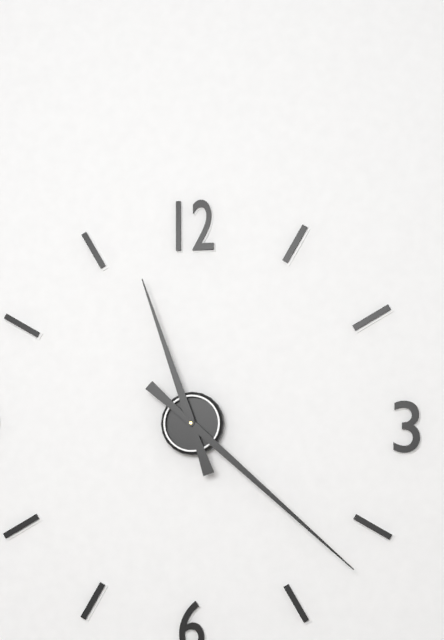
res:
11:22
